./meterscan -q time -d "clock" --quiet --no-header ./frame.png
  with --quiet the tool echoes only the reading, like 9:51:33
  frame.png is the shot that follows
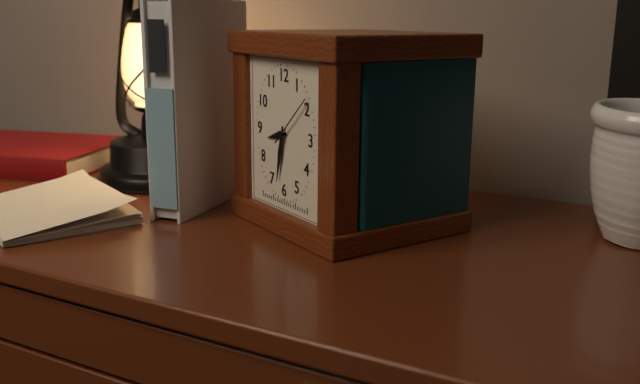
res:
8:32:08
